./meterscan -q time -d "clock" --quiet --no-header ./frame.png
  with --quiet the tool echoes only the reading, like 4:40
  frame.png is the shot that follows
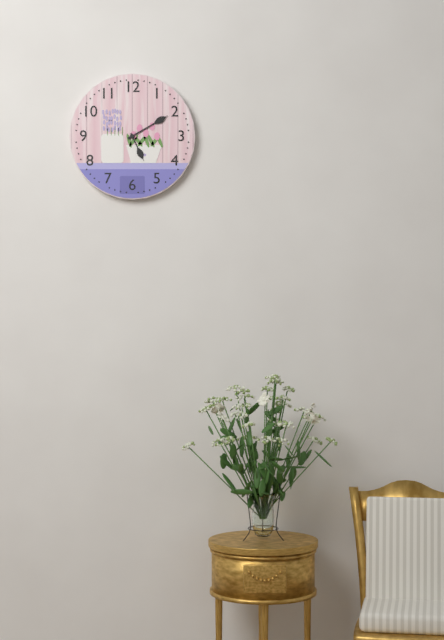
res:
5:10
